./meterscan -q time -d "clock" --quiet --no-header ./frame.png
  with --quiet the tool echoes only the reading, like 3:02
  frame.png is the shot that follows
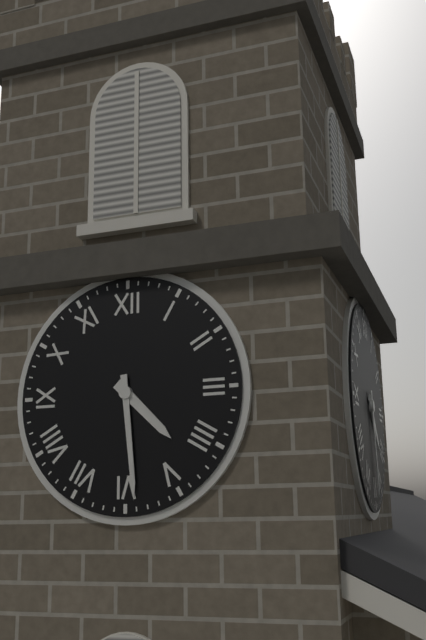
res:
4:29
